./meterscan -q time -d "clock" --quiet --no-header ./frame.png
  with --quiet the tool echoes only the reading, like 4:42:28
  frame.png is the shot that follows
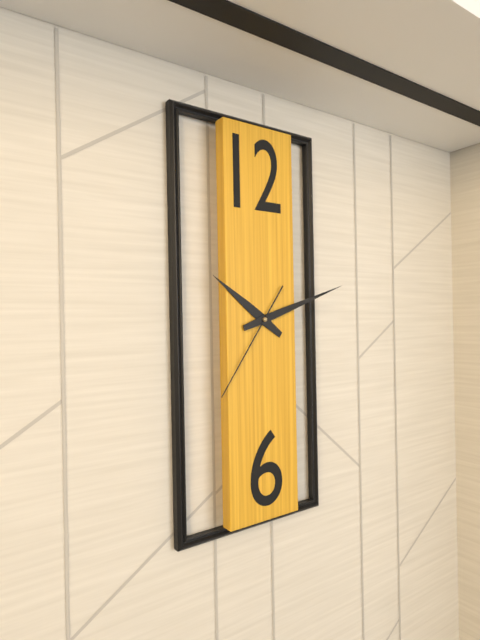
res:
10:12:36
